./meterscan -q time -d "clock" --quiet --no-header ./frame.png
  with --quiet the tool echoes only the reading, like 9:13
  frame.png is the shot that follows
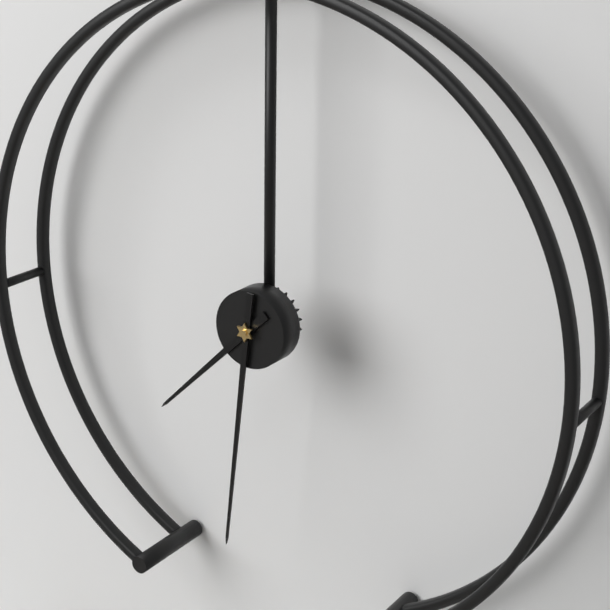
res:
7:31
